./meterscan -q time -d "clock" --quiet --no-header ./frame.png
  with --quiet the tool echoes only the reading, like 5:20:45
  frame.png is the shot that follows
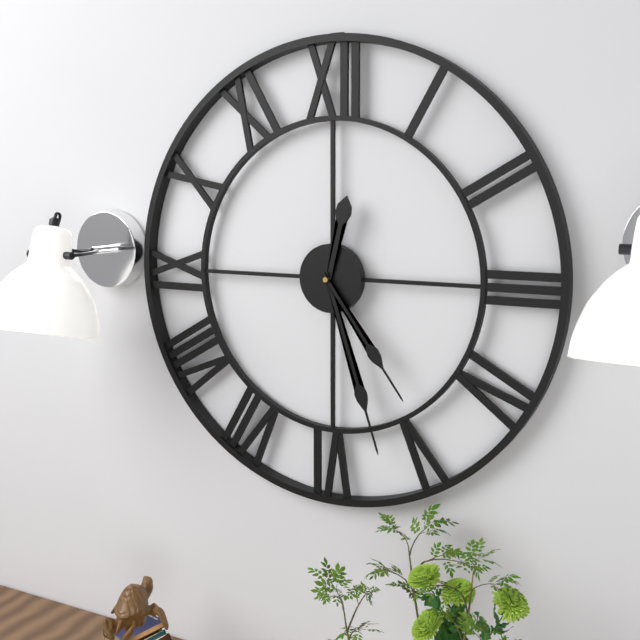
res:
12:27:24
